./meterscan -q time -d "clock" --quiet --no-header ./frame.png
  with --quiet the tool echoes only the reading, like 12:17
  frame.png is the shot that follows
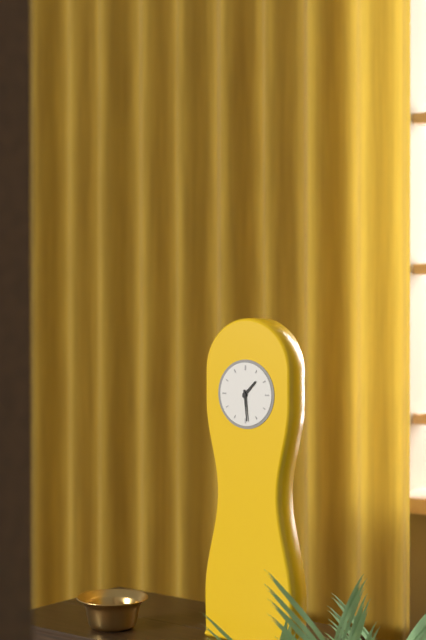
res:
1:29
